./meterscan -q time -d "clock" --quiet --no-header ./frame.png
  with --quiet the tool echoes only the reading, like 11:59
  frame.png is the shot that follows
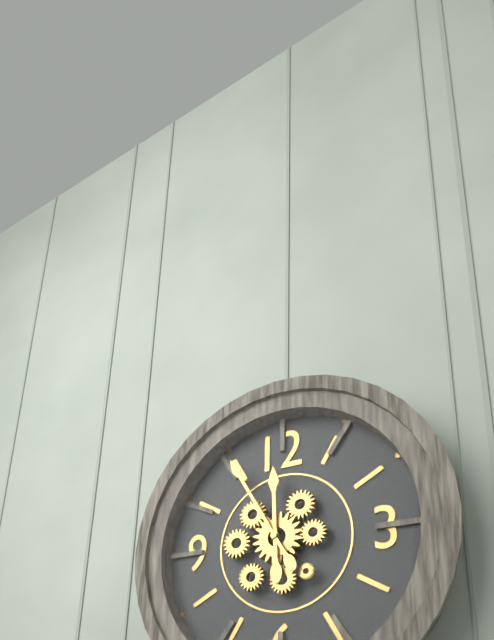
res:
11:55
